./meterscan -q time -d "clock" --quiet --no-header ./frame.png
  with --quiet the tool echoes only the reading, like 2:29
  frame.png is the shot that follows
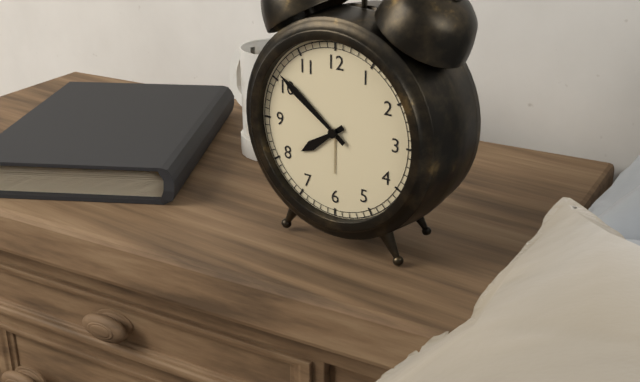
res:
7:51
